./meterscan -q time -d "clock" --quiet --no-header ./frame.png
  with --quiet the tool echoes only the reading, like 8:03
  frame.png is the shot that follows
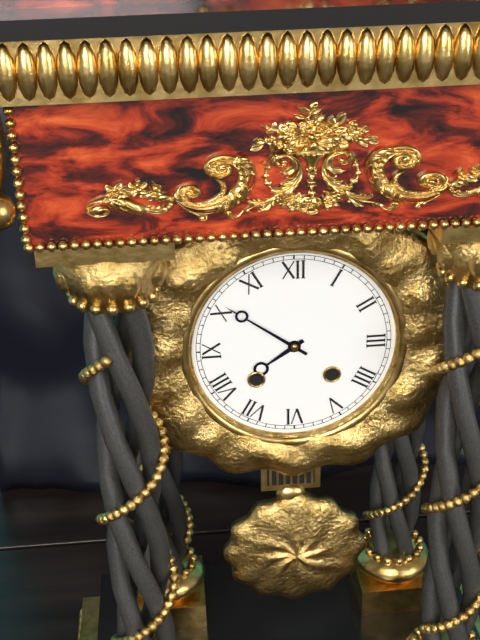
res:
7:51
